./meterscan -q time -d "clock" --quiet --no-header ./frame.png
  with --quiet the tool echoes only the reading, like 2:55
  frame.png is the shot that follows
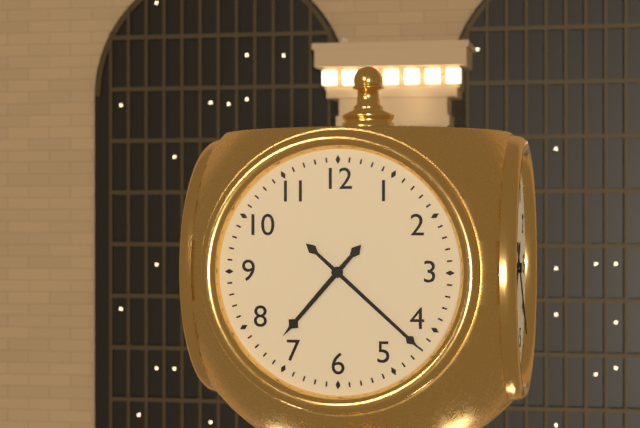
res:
7:22
